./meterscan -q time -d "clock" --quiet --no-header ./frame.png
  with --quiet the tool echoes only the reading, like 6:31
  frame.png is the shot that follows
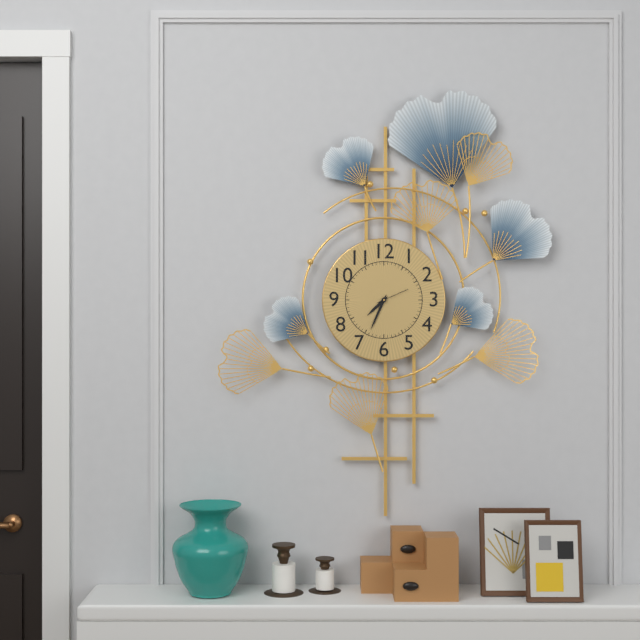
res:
7:34
